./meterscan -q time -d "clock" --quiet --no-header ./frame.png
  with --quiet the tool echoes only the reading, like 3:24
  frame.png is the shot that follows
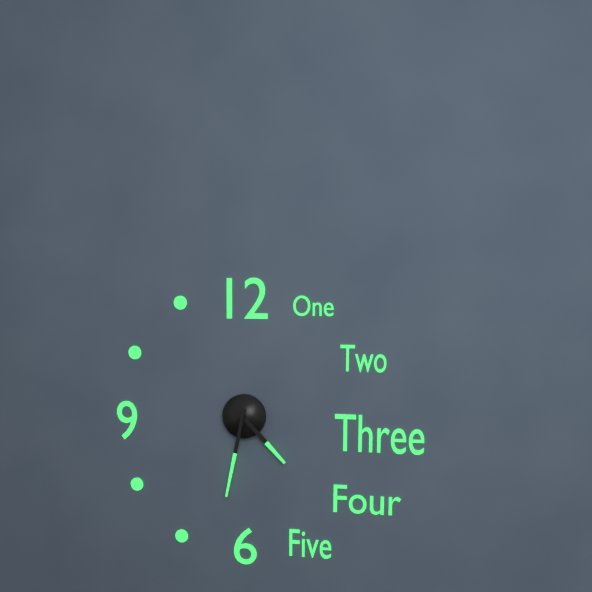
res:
4:32
